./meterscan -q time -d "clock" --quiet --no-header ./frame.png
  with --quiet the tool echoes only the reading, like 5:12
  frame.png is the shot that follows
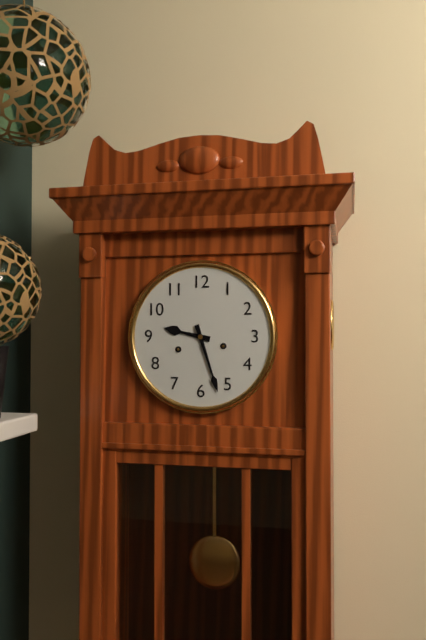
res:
9:27
